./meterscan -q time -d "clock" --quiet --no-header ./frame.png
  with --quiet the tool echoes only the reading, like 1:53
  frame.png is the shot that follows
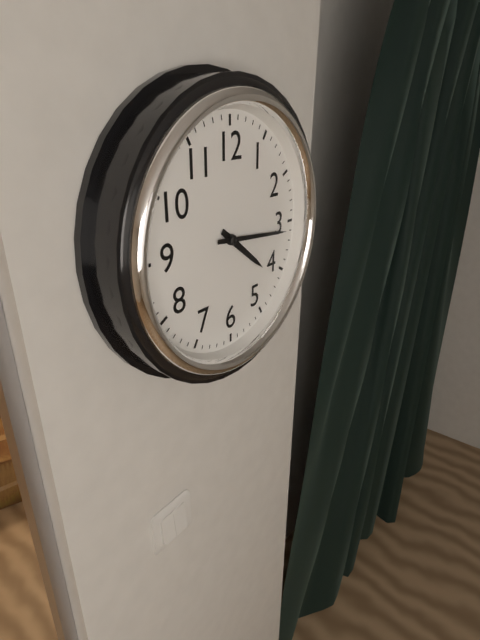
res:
4:16
